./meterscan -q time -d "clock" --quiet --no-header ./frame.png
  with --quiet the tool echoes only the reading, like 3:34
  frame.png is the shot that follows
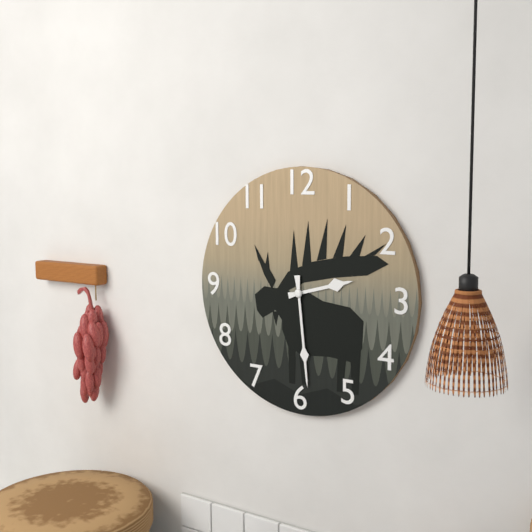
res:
2:29
